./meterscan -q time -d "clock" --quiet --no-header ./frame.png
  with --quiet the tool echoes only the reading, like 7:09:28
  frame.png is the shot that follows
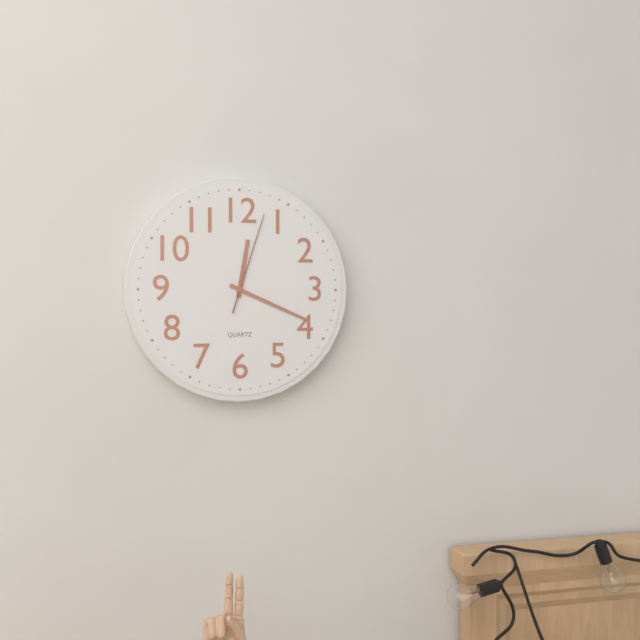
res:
12:19:03
